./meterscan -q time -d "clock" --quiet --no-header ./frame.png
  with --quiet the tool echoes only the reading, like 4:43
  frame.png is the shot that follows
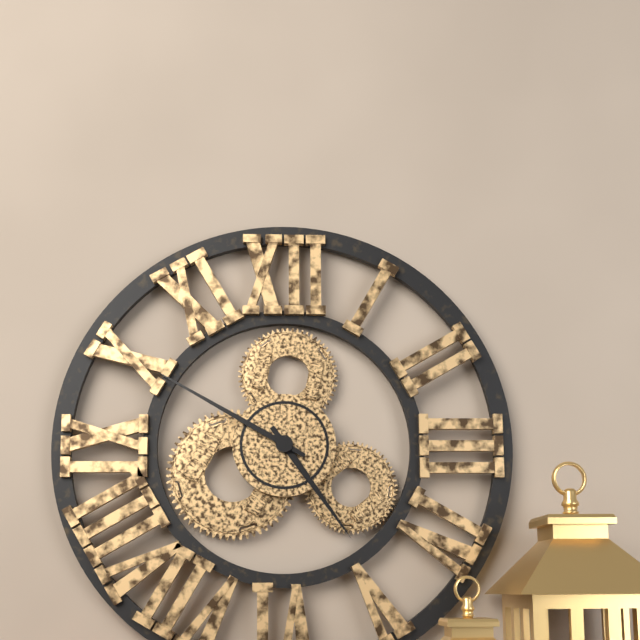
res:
4:50
